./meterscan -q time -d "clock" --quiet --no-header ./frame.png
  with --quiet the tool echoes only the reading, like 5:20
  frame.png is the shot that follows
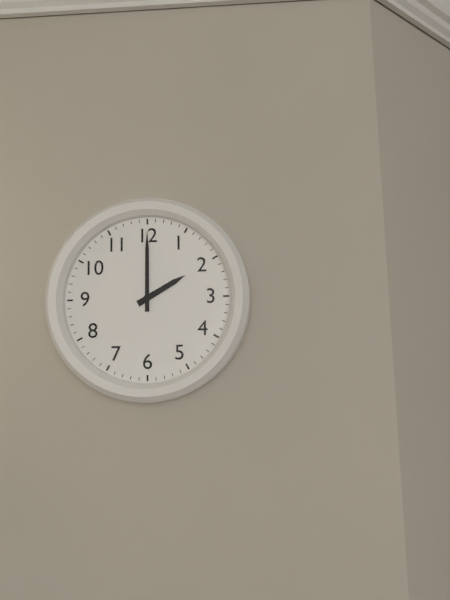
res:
2:00
